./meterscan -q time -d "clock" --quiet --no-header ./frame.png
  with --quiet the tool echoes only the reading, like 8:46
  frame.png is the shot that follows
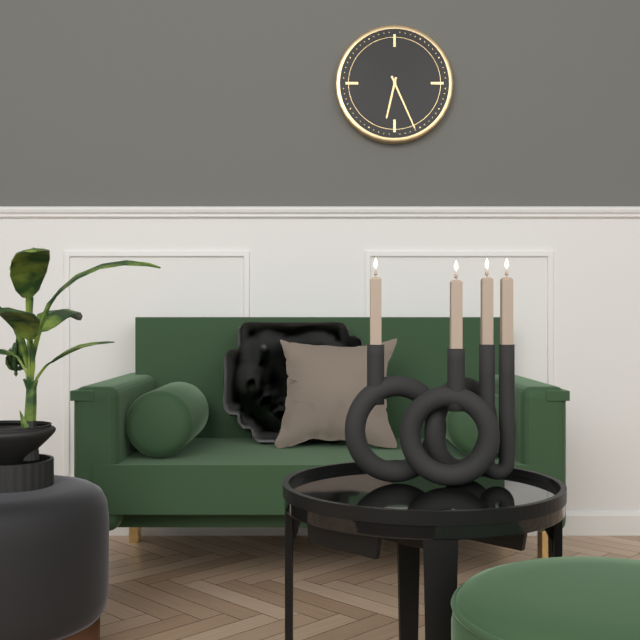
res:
6:26
